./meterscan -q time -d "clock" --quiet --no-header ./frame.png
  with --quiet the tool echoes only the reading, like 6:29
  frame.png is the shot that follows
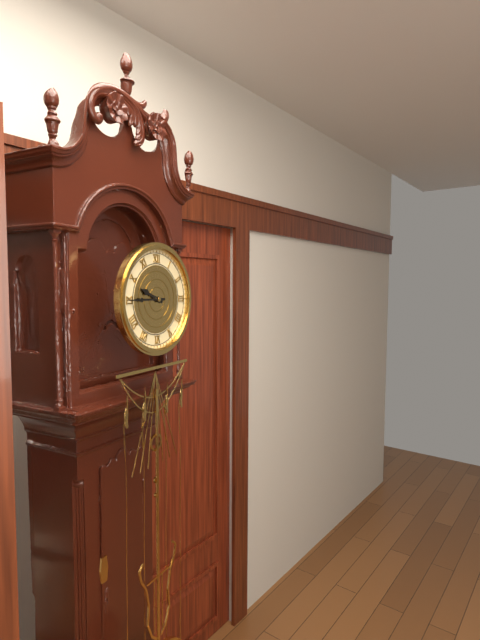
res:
9:45
